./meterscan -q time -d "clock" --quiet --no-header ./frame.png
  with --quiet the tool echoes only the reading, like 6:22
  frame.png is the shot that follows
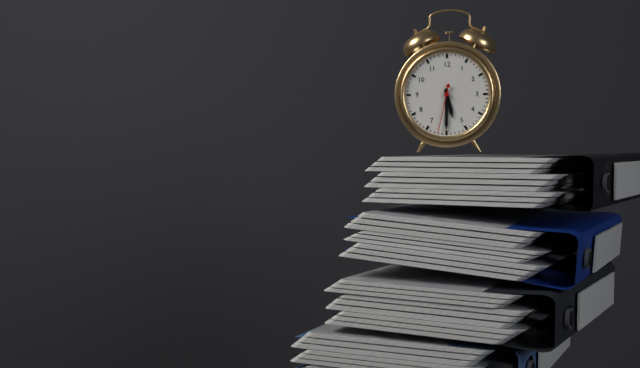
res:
5:30
